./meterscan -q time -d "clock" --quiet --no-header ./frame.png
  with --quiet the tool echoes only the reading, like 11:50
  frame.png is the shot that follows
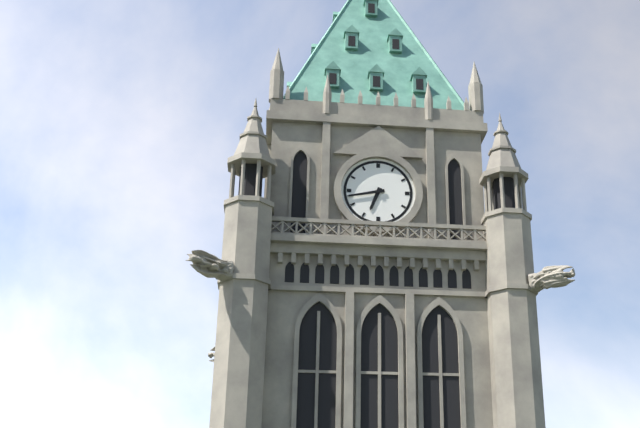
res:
6:43
